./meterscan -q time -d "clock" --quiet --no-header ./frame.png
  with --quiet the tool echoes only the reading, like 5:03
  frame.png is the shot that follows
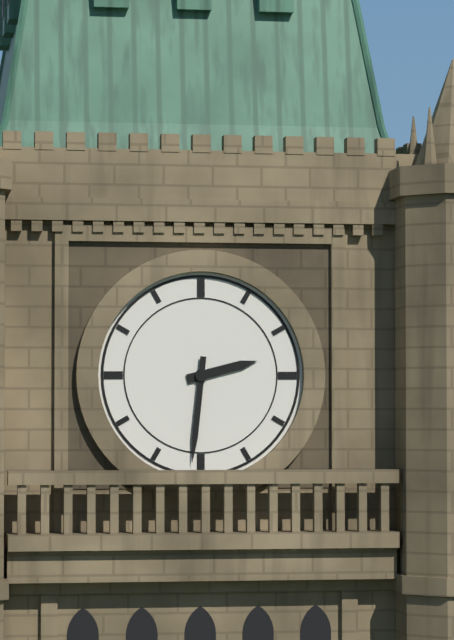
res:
2:31
